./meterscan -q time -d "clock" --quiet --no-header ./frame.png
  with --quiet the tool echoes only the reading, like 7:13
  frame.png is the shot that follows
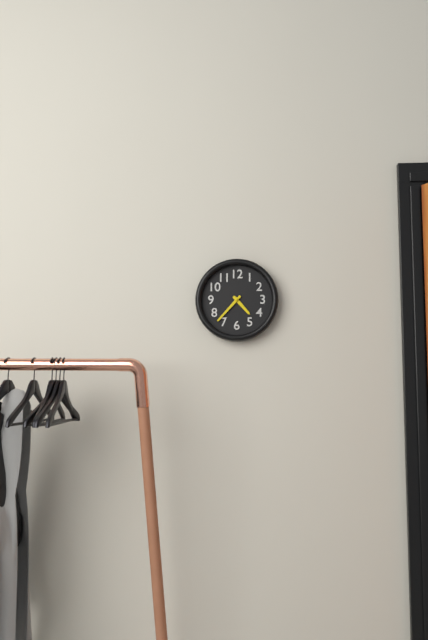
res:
4:37
